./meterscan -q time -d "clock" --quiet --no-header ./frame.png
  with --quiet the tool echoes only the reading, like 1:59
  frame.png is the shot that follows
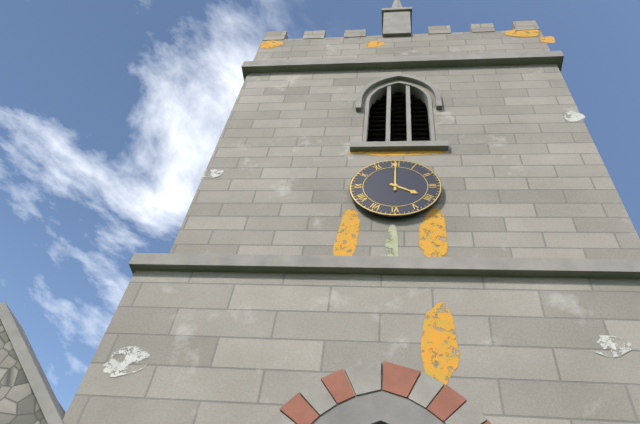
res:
4:00
